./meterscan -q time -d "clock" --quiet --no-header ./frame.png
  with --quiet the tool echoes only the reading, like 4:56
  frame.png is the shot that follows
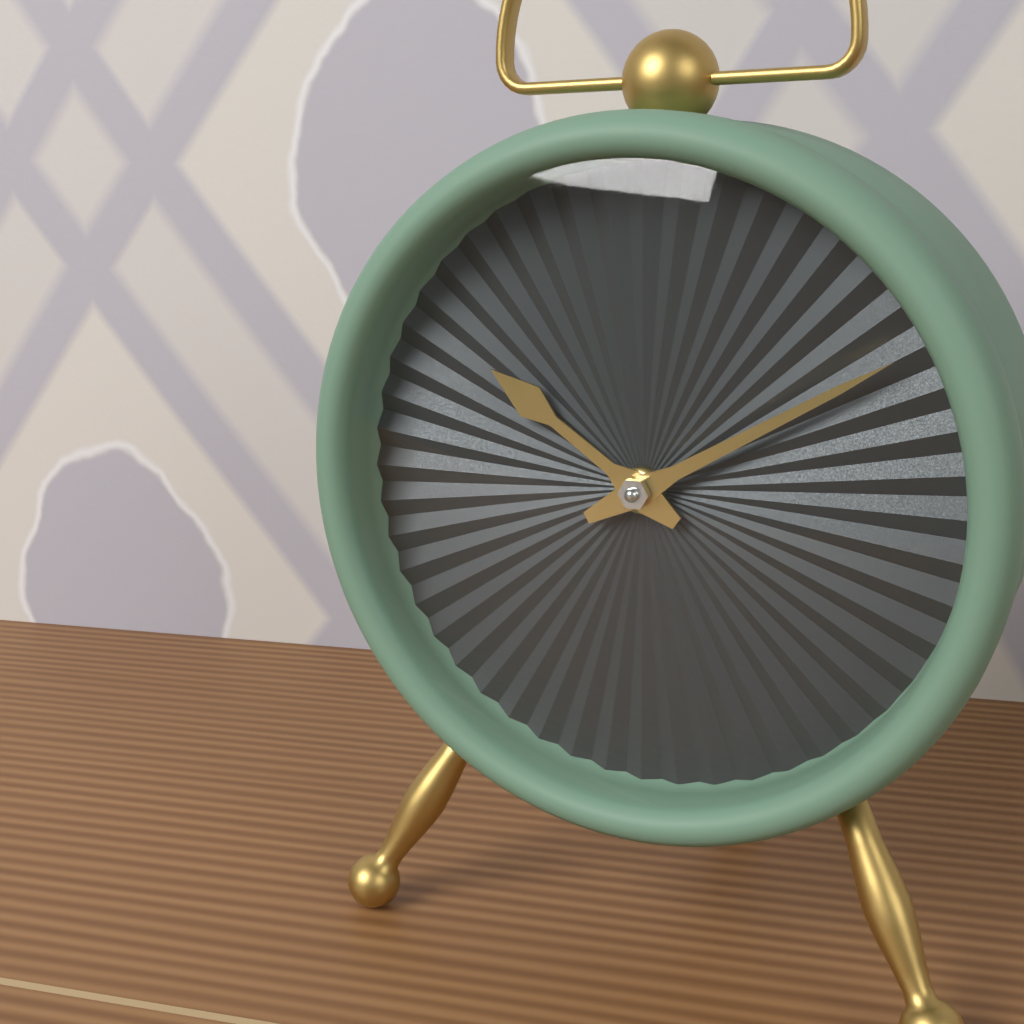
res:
10:10
